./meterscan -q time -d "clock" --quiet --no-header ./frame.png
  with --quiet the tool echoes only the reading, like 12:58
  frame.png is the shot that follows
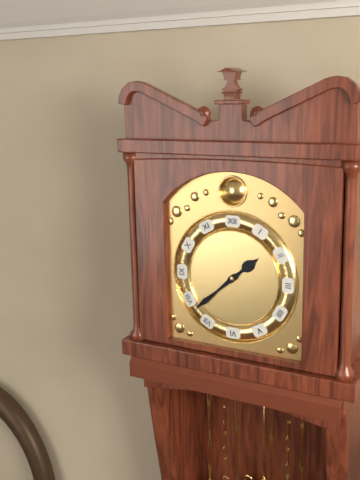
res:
1:38
